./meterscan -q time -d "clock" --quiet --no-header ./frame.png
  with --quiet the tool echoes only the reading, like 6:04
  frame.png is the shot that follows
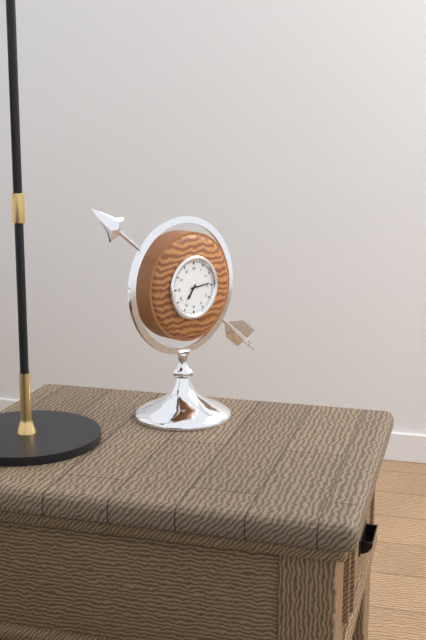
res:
7:14
